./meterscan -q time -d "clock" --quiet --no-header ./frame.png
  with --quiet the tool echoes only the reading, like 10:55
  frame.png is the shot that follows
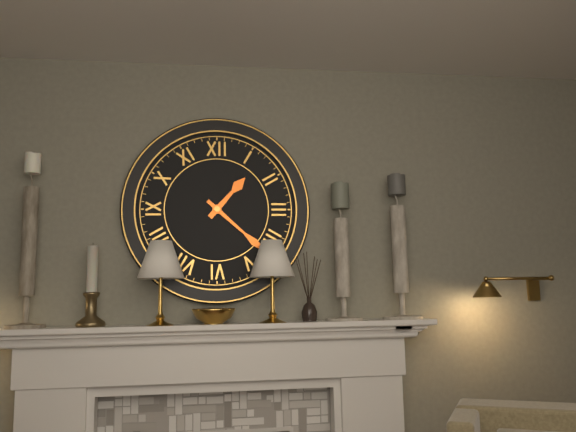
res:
1:22
